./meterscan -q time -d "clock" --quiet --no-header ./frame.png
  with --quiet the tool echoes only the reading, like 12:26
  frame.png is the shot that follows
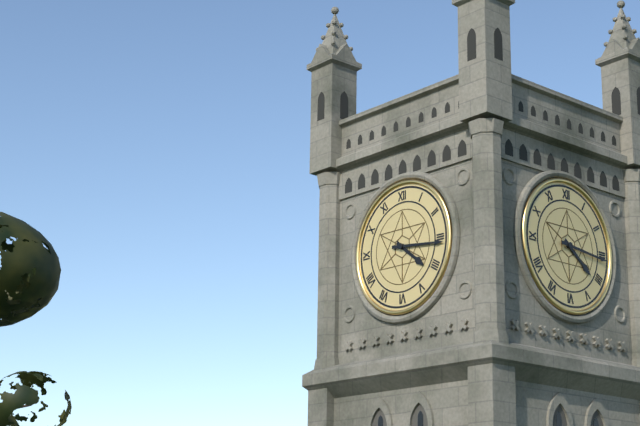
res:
4:16
